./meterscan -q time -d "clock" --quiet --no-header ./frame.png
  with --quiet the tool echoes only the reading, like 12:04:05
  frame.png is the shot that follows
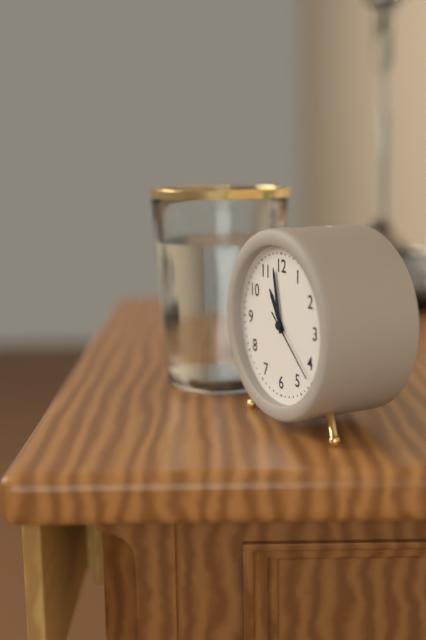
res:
10:58:22
